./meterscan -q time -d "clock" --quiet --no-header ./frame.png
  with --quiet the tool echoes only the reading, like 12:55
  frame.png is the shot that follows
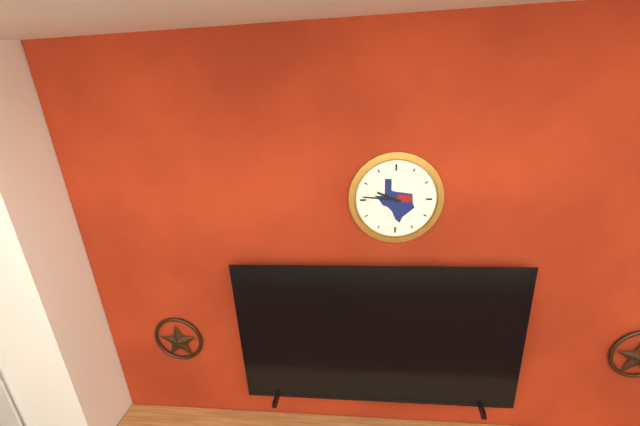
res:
9:46
